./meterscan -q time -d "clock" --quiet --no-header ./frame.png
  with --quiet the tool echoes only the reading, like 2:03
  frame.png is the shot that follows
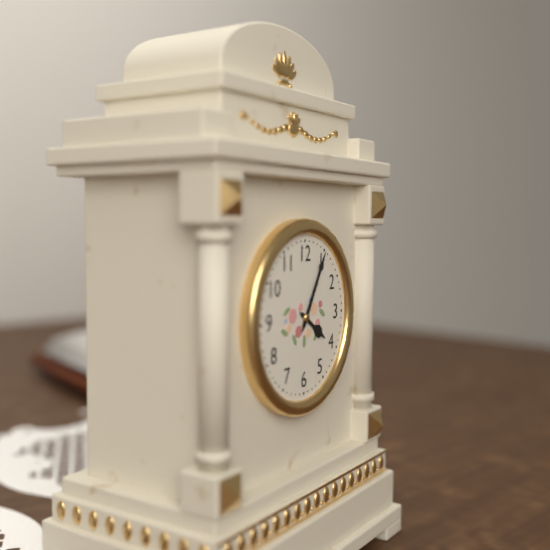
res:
4:05
